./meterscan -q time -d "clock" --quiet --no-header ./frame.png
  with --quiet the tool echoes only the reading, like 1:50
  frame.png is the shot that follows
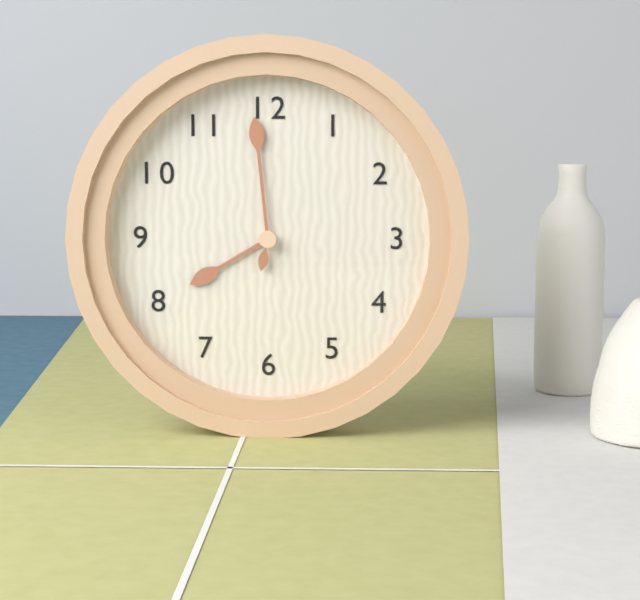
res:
7:59
